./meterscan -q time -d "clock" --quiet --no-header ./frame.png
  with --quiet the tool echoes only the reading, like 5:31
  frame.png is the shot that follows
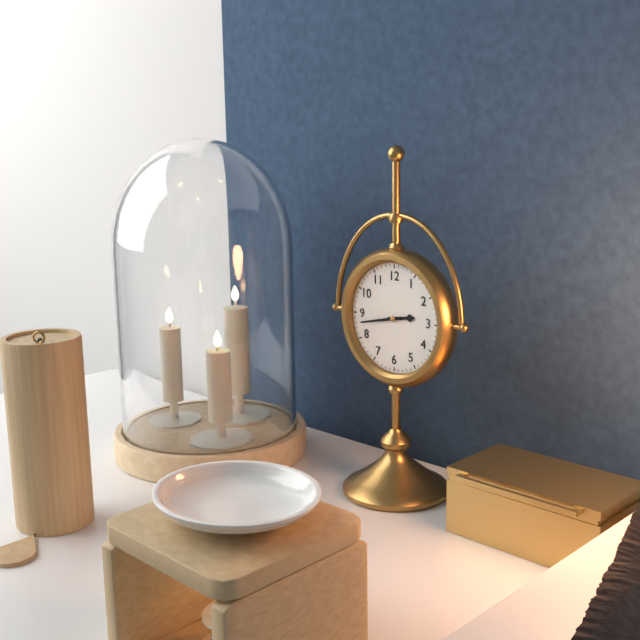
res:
2:43
